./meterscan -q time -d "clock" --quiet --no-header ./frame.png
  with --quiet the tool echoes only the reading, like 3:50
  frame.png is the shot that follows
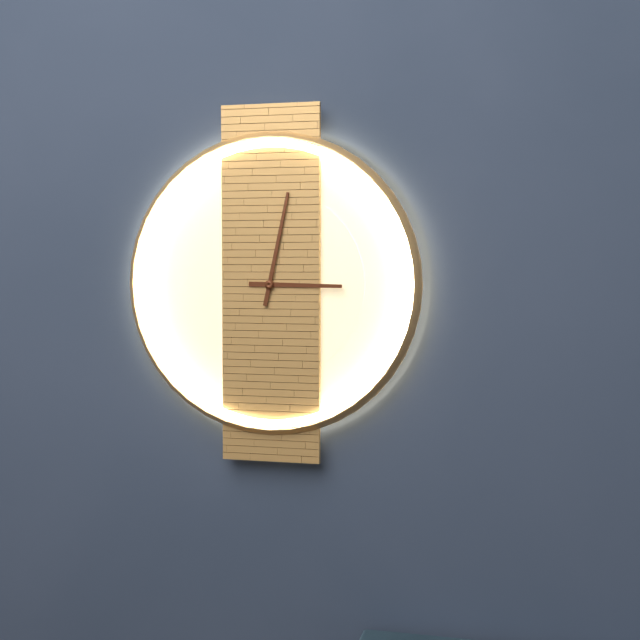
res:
3:02
